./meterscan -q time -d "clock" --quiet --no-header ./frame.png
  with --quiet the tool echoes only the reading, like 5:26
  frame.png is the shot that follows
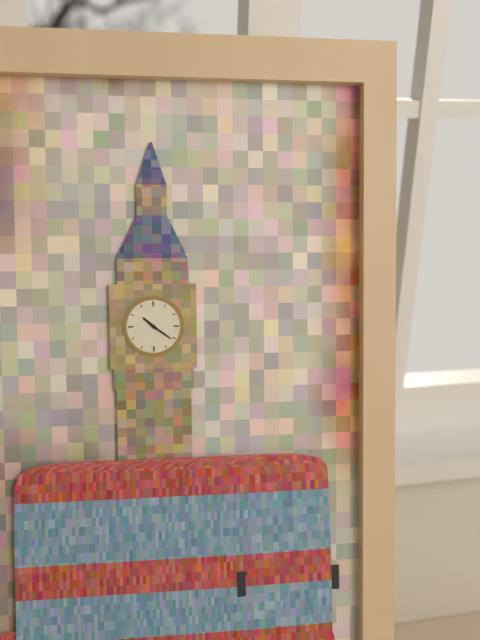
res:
10:21
